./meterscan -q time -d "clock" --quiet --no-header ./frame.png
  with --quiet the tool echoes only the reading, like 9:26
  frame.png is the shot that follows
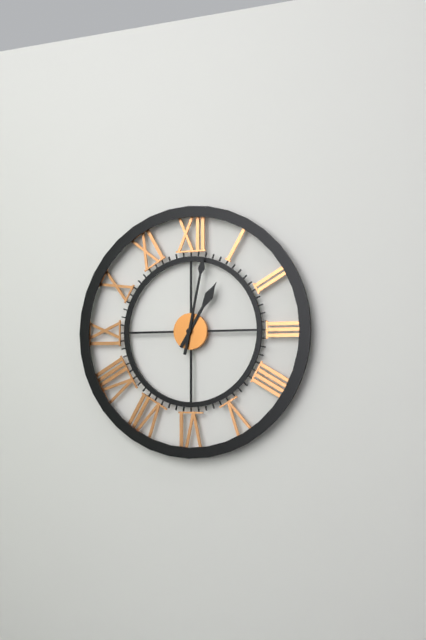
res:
1:02
